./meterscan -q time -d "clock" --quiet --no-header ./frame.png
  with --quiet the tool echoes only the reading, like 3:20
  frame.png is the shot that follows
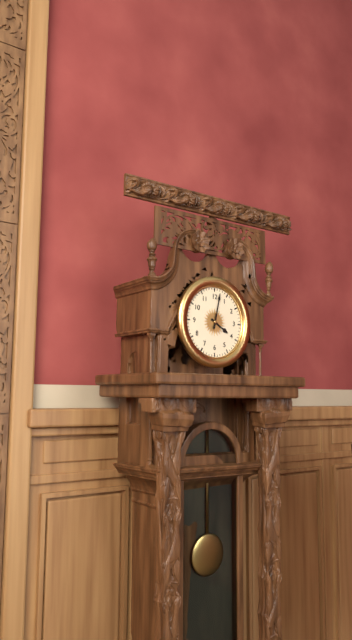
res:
4:02
